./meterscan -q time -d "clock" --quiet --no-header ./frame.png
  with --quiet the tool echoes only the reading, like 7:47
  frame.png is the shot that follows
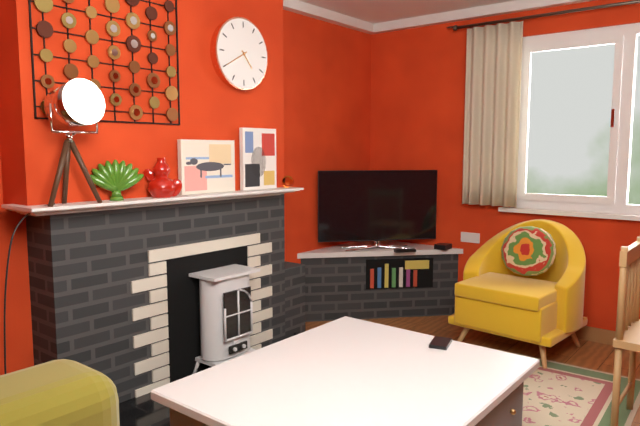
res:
4:40
